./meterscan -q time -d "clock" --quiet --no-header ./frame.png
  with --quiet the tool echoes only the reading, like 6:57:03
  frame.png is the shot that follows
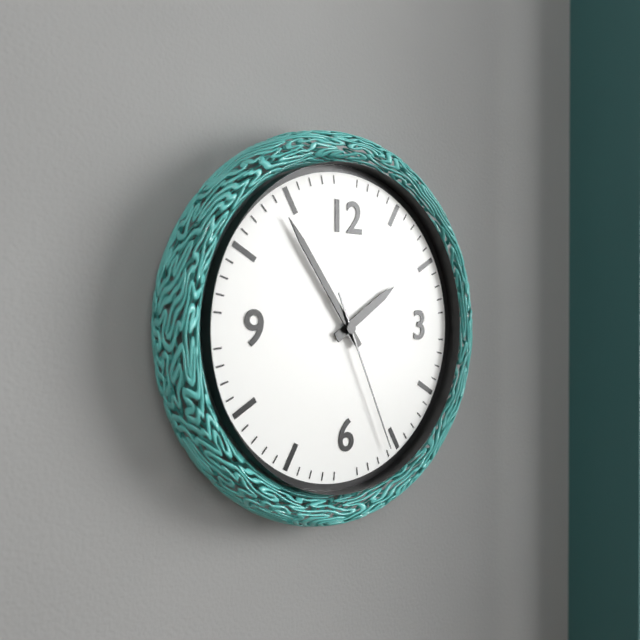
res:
1:54:26
